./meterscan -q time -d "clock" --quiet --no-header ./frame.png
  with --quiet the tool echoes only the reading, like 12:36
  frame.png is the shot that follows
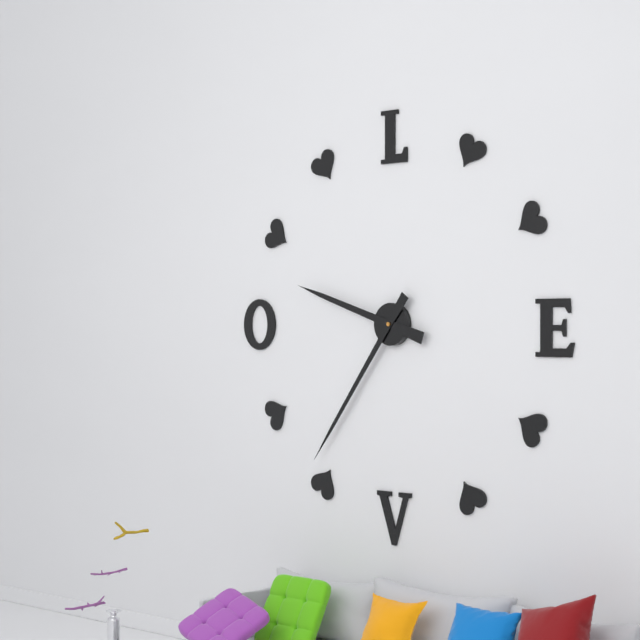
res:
9:36
